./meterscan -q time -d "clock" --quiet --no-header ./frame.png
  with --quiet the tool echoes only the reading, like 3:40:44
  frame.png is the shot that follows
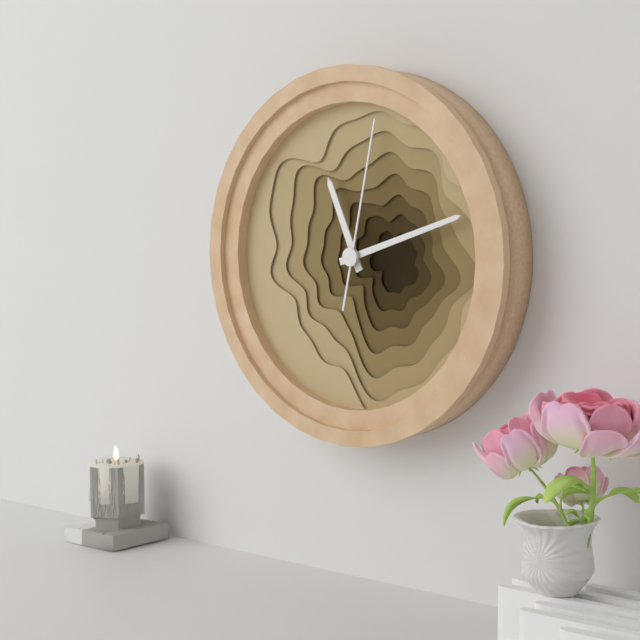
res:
11:12:02
